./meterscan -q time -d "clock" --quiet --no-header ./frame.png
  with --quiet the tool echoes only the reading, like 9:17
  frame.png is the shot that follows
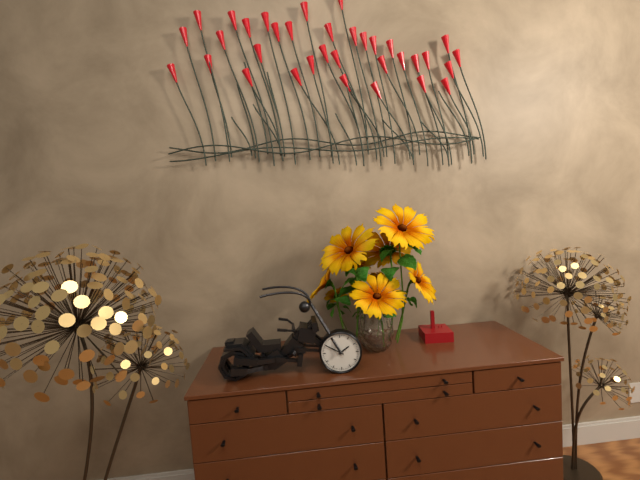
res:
1:50
